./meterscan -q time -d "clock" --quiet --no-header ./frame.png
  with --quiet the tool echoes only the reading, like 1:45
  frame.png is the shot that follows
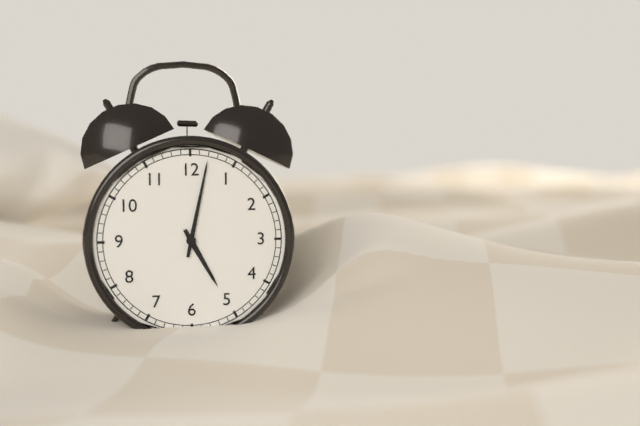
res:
5:02
